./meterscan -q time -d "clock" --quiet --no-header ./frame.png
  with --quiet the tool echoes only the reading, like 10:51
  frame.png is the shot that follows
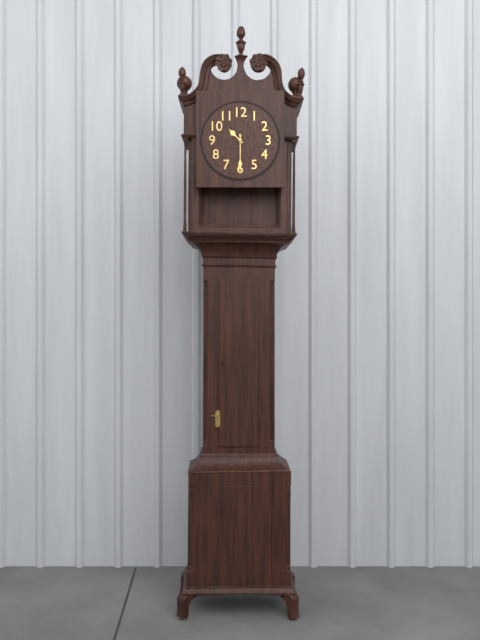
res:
10:30
